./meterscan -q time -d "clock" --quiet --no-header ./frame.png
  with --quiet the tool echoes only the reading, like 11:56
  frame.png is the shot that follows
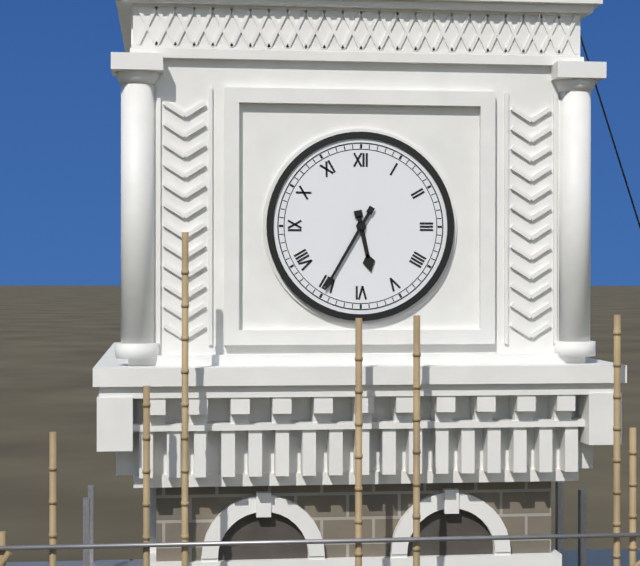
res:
5:35
